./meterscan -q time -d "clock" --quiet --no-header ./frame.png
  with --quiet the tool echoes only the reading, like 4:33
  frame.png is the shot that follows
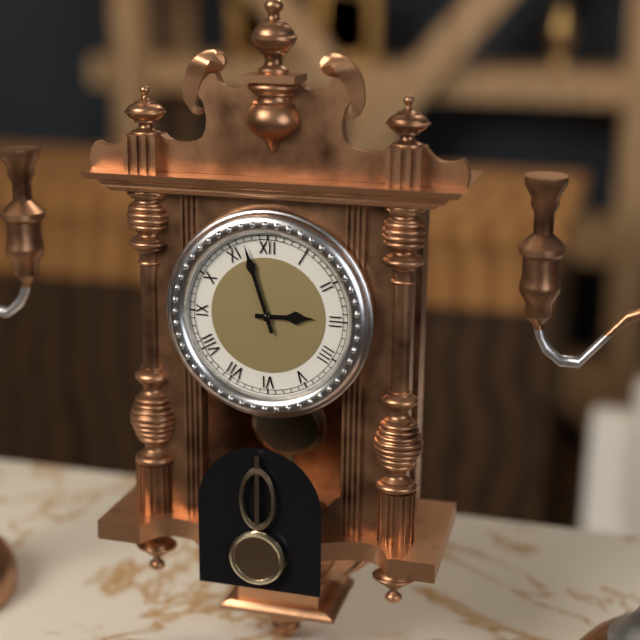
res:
2:57
